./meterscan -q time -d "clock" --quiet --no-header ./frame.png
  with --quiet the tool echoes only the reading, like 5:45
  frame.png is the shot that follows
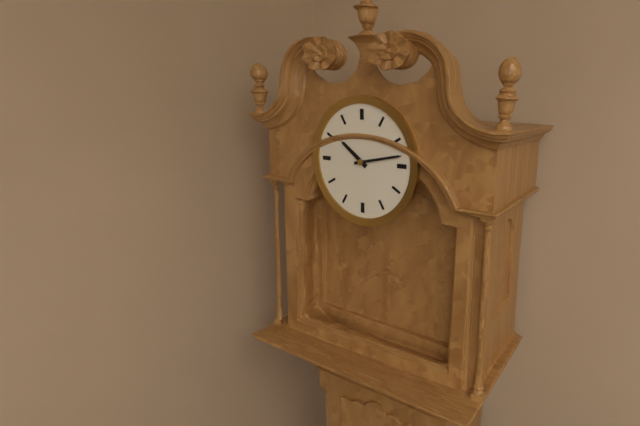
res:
10:13
